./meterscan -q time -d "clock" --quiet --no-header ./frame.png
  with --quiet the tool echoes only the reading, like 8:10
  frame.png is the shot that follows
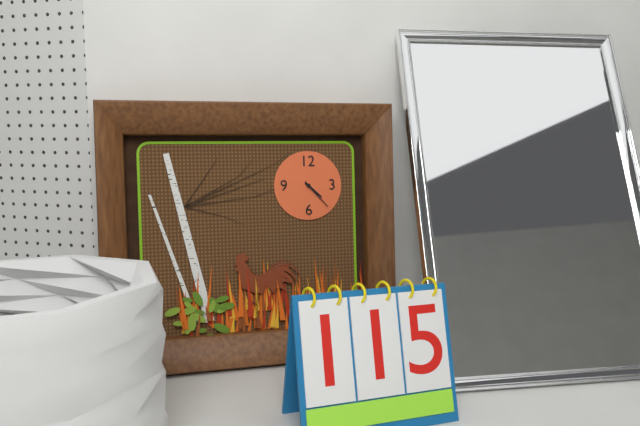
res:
4:23
